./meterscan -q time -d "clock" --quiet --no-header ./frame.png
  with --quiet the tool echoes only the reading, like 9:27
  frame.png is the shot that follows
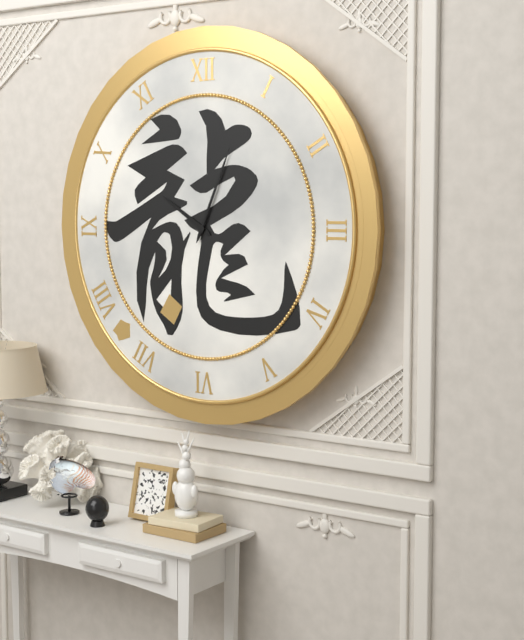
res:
10:04
